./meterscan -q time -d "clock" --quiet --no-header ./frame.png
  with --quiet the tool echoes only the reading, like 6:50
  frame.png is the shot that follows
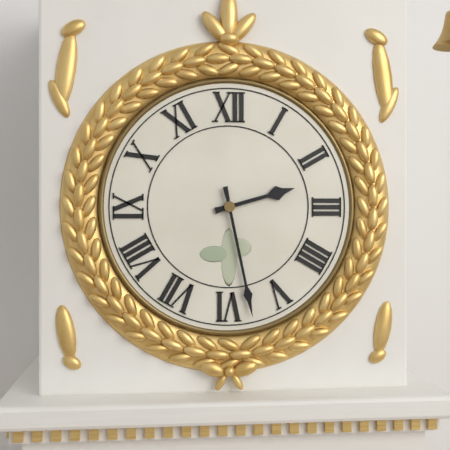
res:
2:28
